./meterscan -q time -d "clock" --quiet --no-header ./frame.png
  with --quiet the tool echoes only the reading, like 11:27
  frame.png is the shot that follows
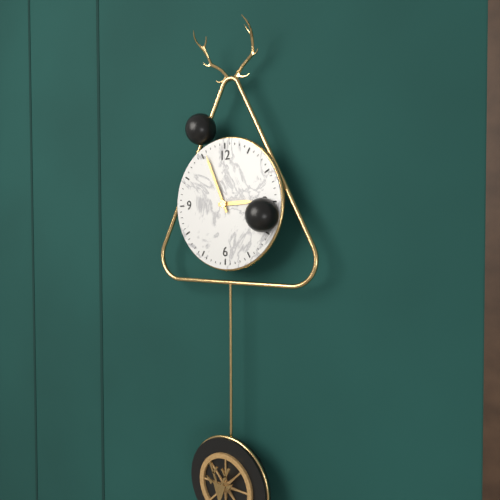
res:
2:56
